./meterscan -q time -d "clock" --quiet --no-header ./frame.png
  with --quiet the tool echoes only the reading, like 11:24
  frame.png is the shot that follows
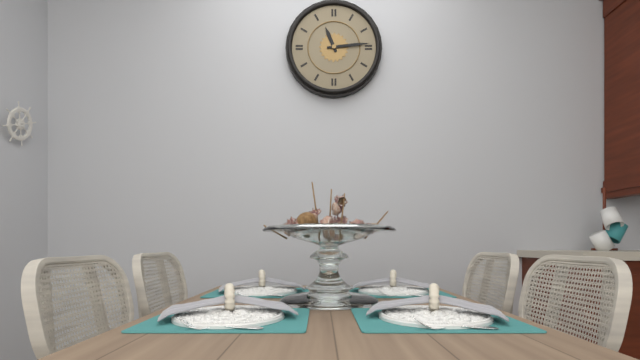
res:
11:14
